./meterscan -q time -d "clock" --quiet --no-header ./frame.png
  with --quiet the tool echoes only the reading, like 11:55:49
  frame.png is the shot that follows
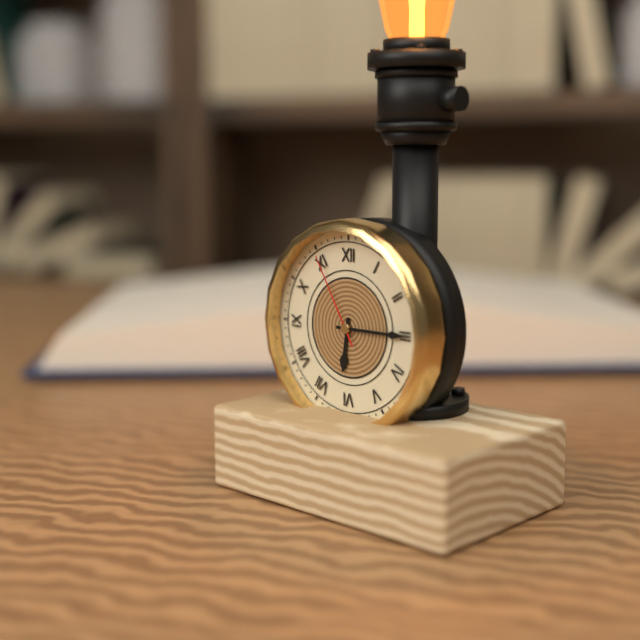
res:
6:15:55
